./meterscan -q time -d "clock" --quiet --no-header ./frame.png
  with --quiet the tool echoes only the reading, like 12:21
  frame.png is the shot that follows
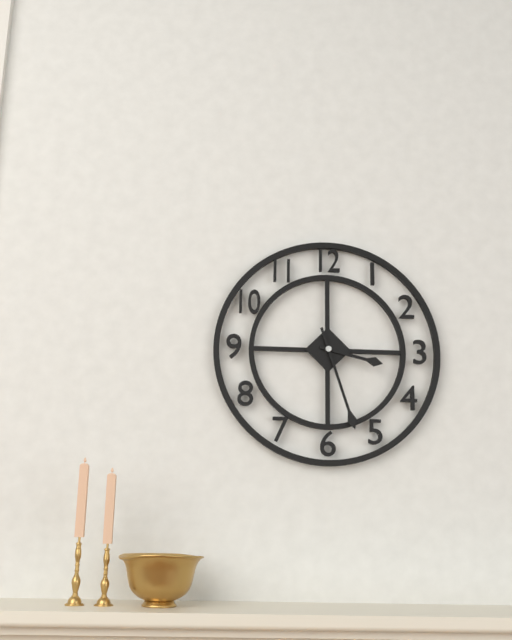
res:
3:27
